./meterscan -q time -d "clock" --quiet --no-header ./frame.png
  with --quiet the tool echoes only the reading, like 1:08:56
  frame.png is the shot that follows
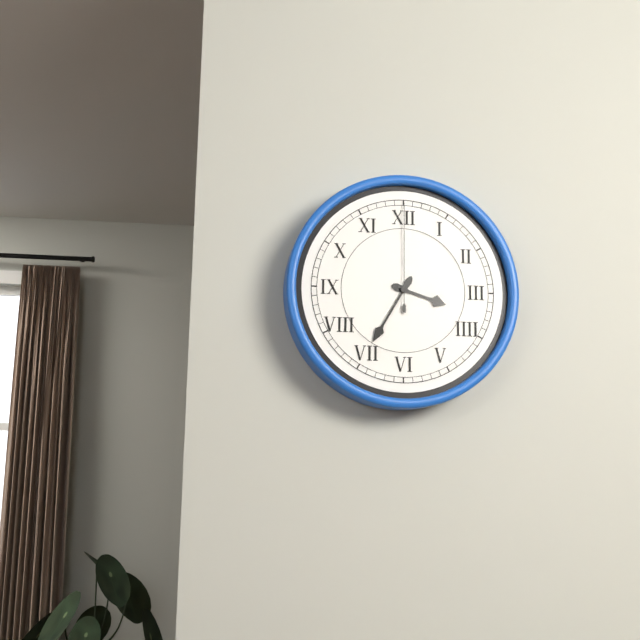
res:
3:35:00
